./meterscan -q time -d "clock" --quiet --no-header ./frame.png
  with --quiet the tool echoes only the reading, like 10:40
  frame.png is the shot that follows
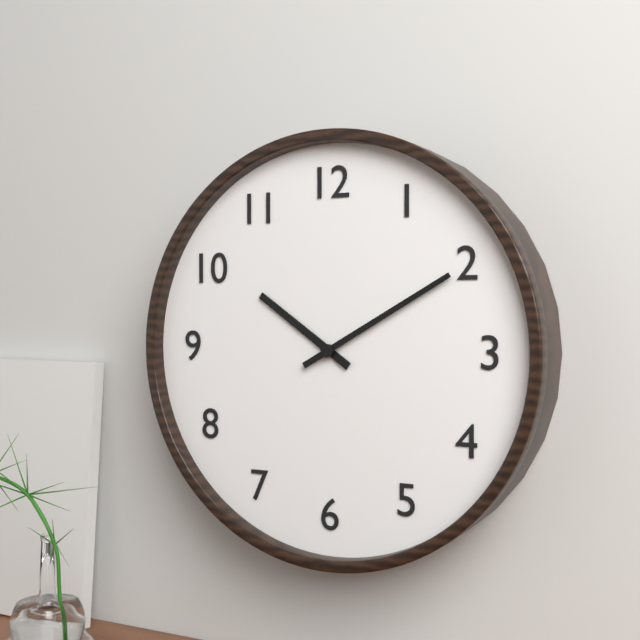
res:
10:10
